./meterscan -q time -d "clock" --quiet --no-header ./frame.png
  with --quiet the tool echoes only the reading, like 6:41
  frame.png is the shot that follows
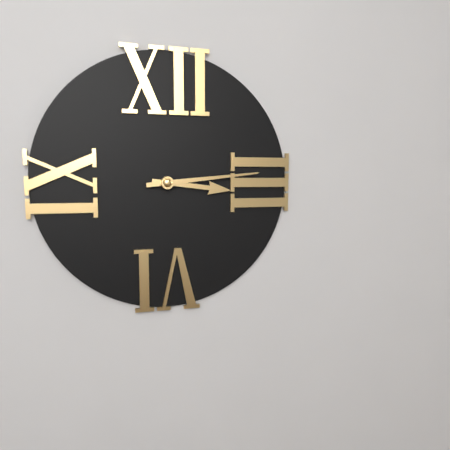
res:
3:14
